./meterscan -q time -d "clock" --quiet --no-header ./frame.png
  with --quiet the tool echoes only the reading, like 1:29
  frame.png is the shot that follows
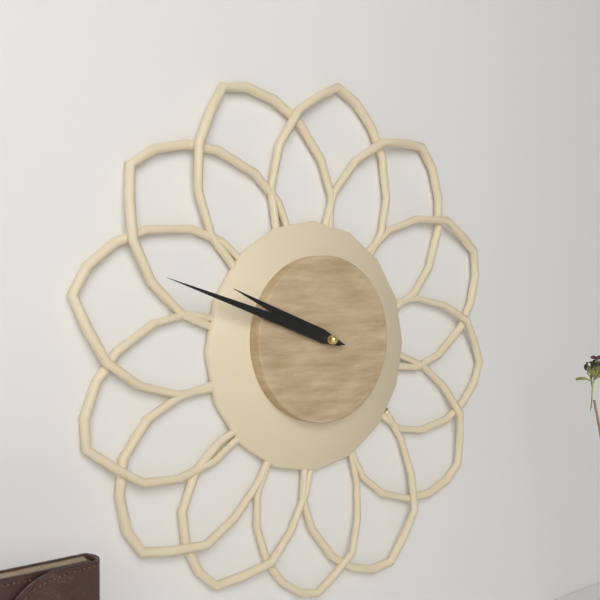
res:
9:48
